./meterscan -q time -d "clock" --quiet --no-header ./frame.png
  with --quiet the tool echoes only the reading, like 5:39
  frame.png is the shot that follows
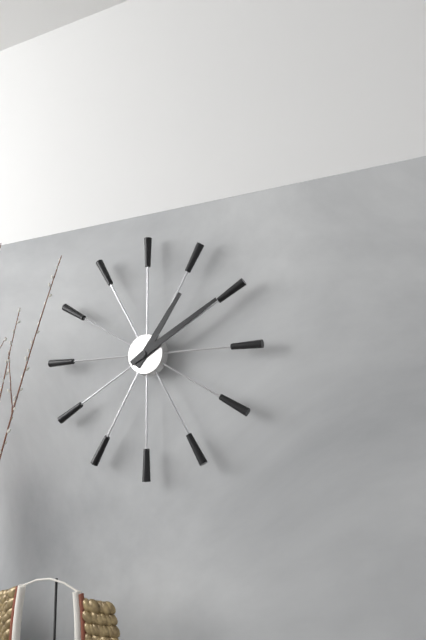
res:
1:10
